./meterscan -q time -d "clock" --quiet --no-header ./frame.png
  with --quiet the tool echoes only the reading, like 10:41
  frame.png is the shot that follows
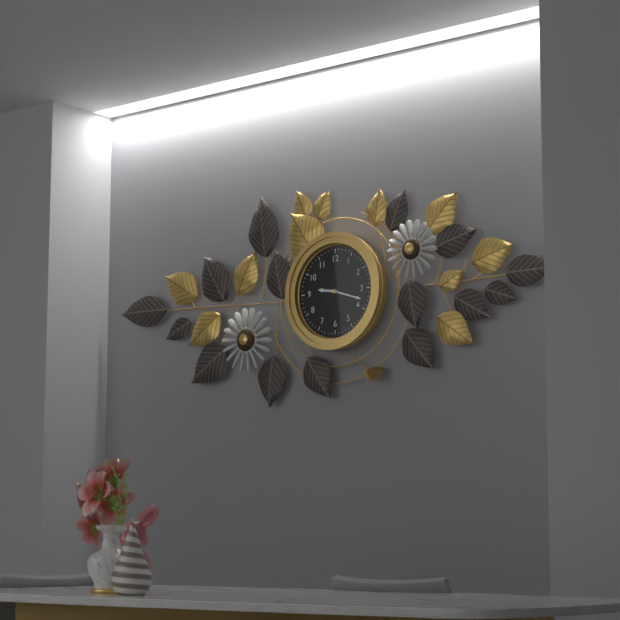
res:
9:18
